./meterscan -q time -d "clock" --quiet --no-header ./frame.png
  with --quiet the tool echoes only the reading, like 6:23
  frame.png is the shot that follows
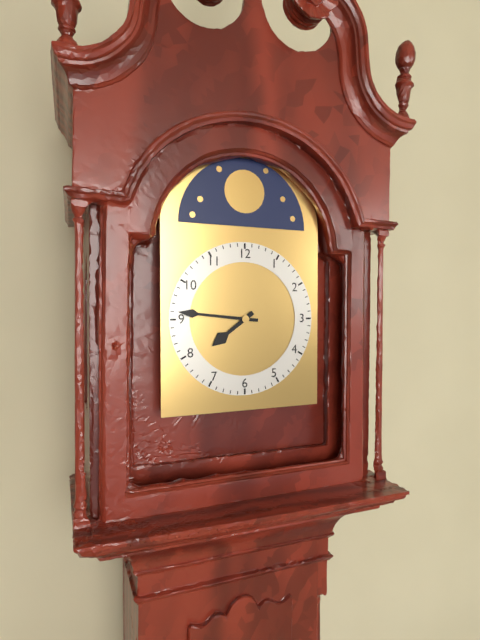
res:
7:46
